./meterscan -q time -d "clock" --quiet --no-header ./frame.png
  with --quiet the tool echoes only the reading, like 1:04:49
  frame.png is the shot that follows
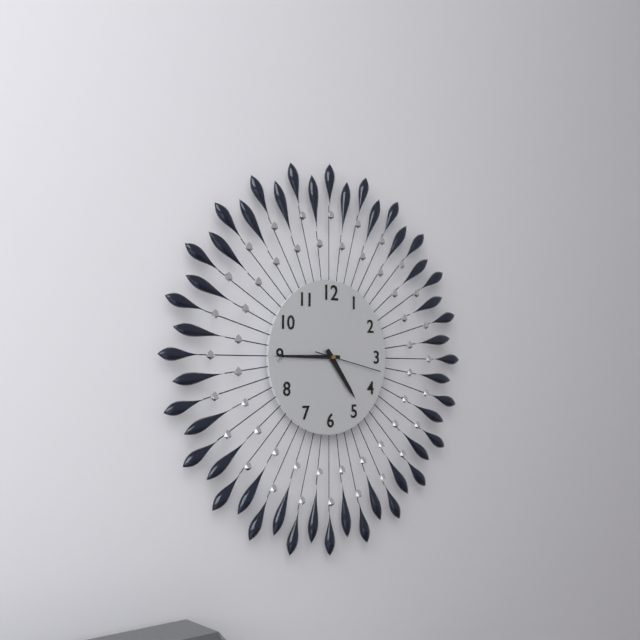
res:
4:45:17
